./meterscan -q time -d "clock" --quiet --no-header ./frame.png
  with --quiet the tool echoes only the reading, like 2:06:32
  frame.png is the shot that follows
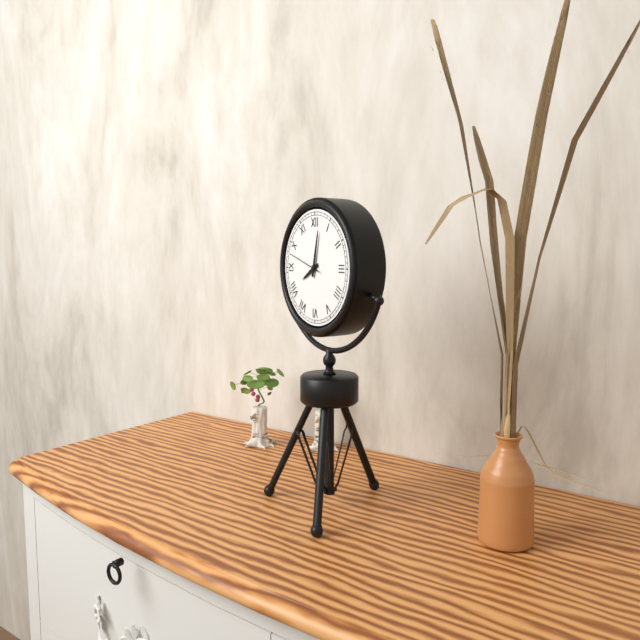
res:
8:02:48
